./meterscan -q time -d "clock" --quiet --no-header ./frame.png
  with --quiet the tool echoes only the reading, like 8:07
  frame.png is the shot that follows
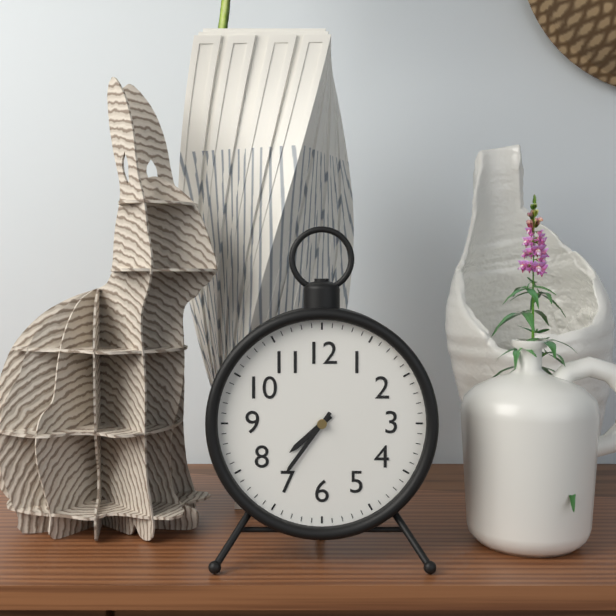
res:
7:36
